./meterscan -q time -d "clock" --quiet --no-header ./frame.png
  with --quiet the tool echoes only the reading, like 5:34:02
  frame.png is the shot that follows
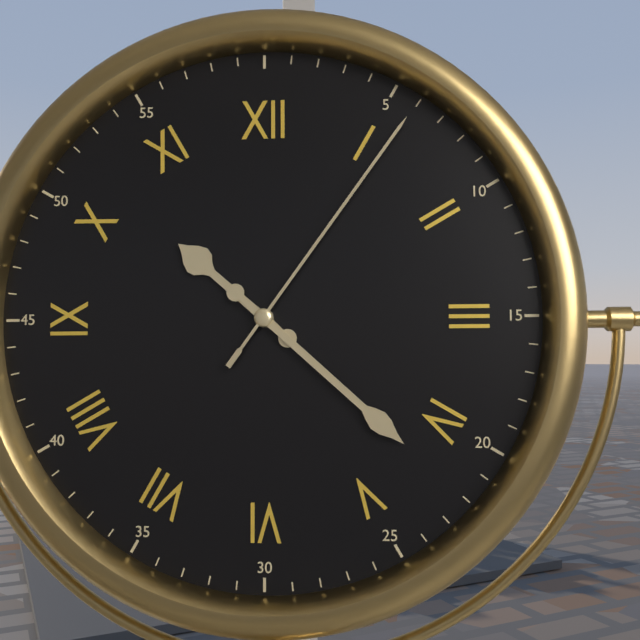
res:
10:22:06
